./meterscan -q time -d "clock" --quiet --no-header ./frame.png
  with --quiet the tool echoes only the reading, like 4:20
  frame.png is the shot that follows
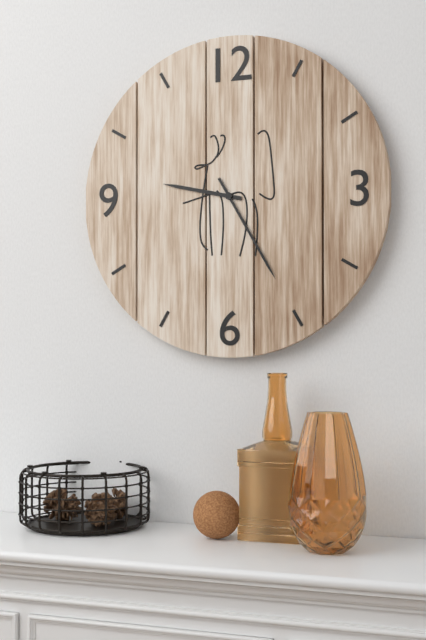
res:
9:25
